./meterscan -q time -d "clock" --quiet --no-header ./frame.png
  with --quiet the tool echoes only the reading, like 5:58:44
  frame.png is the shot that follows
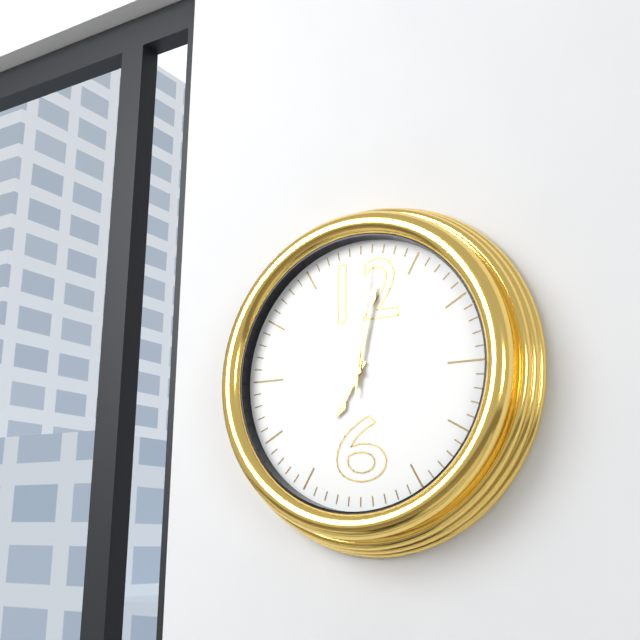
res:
7:02:01
